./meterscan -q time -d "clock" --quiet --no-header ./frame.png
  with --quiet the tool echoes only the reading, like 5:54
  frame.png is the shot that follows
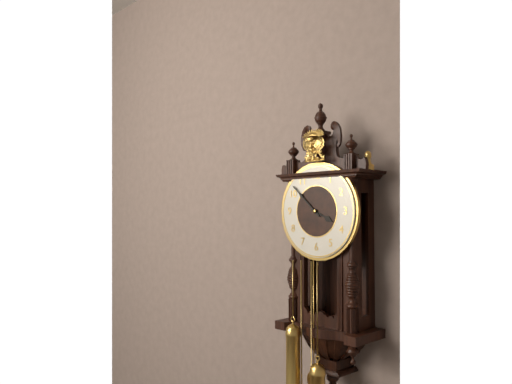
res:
3:52
